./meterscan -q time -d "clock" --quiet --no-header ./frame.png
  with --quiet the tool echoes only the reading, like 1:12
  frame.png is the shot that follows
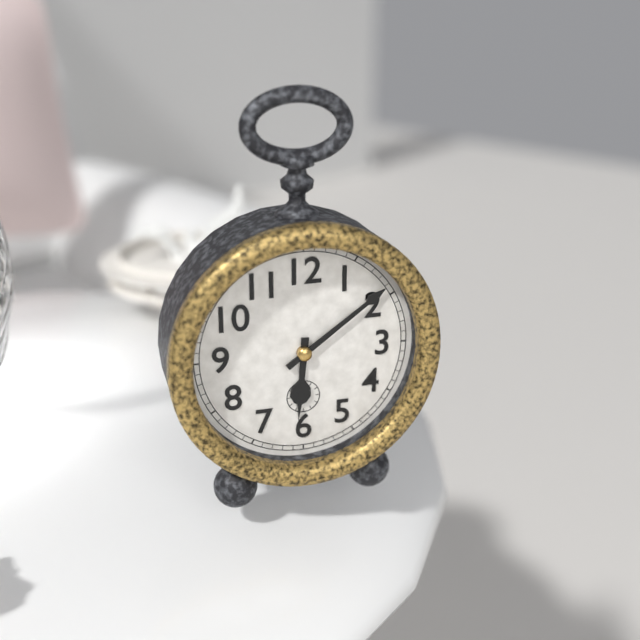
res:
6:09
